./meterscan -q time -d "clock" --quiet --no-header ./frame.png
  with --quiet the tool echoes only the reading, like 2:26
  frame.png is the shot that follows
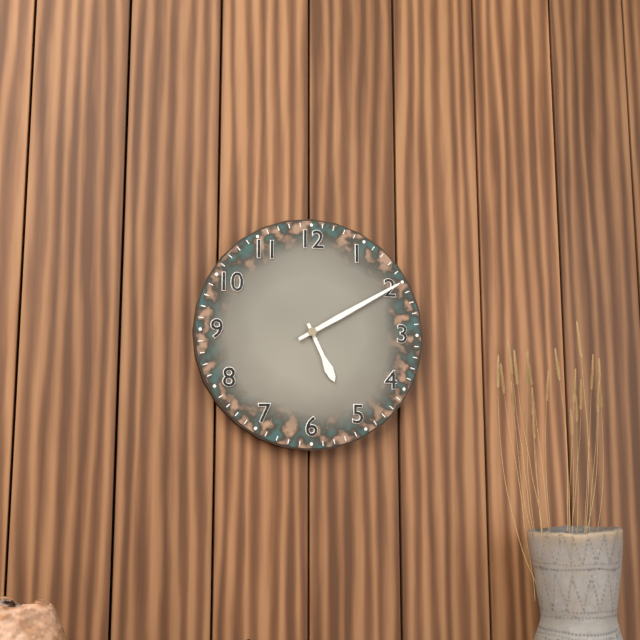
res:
5:10
